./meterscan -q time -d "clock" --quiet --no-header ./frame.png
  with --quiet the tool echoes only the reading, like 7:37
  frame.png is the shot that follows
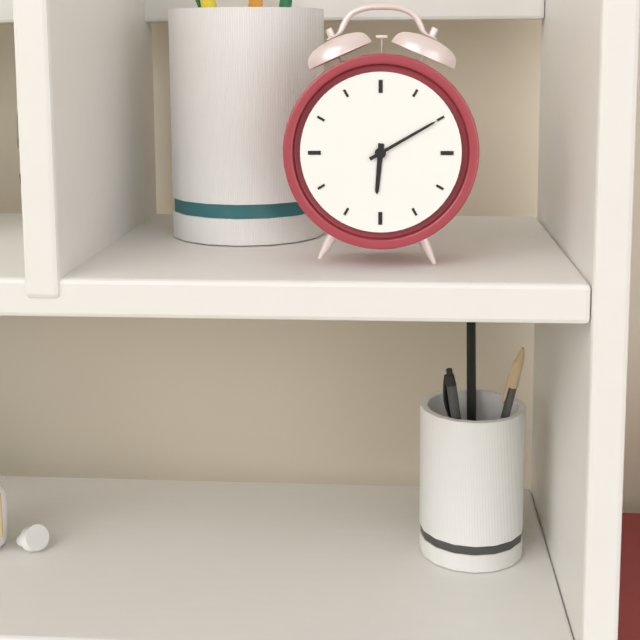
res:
6:10
